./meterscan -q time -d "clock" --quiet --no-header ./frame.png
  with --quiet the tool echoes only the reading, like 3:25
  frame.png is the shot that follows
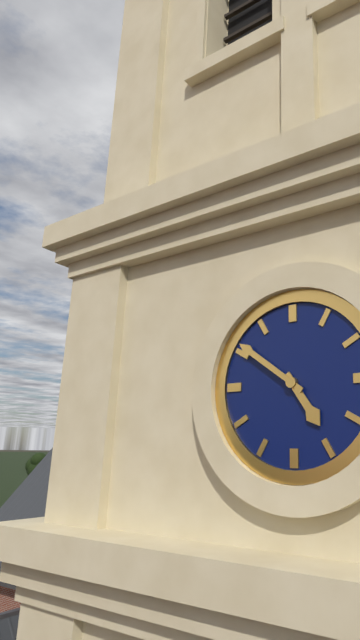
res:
4:51
